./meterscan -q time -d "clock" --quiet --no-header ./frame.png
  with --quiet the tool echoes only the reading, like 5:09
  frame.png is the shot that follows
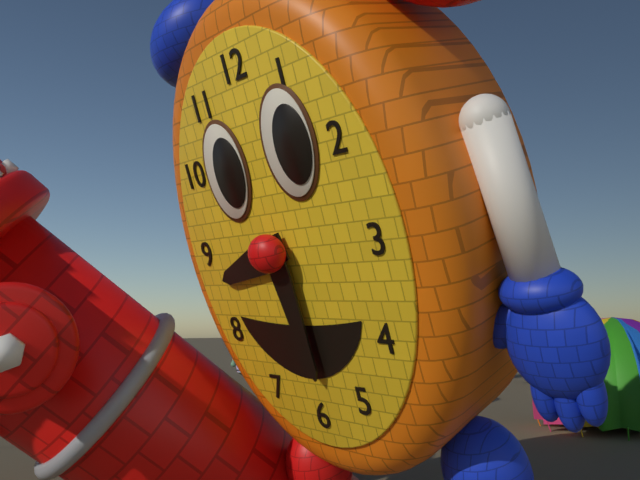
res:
8:29
